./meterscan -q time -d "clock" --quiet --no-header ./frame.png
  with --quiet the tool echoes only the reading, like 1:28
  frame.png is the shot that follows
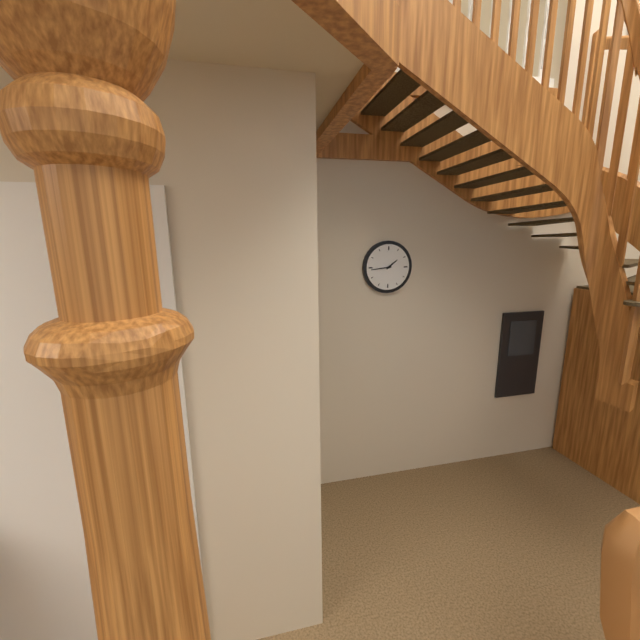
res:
1:44
